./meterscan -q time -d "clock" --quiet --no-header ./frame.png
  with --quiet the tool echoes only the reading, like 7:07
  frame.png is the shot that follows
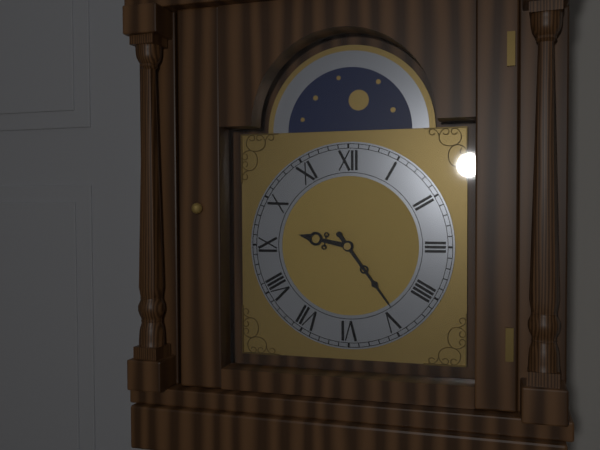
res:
9:24
